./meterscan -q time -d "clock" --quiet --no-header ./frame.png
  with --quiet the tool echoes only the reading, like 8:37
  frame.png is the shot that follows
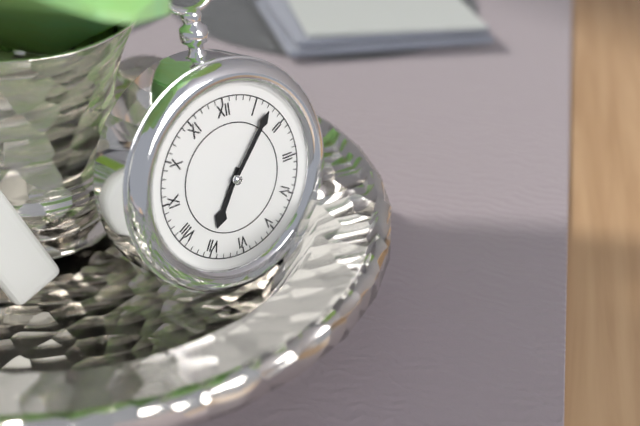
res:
7:07
